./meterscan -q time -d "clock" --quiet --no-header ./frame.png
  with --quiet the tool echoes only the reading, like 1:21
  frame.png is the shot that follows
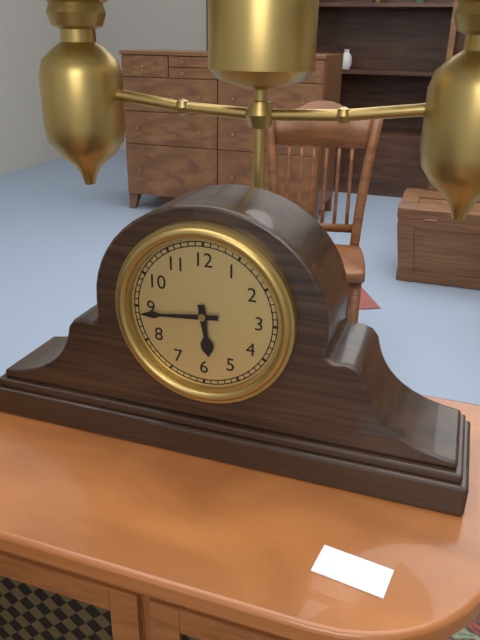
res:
5:44
